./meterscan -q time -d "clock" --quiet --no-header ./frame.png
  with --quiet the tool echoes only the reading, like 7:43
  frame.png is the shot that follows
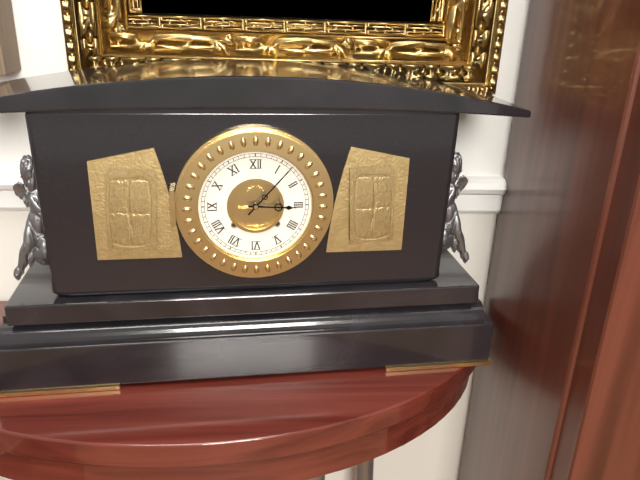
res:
3:07
